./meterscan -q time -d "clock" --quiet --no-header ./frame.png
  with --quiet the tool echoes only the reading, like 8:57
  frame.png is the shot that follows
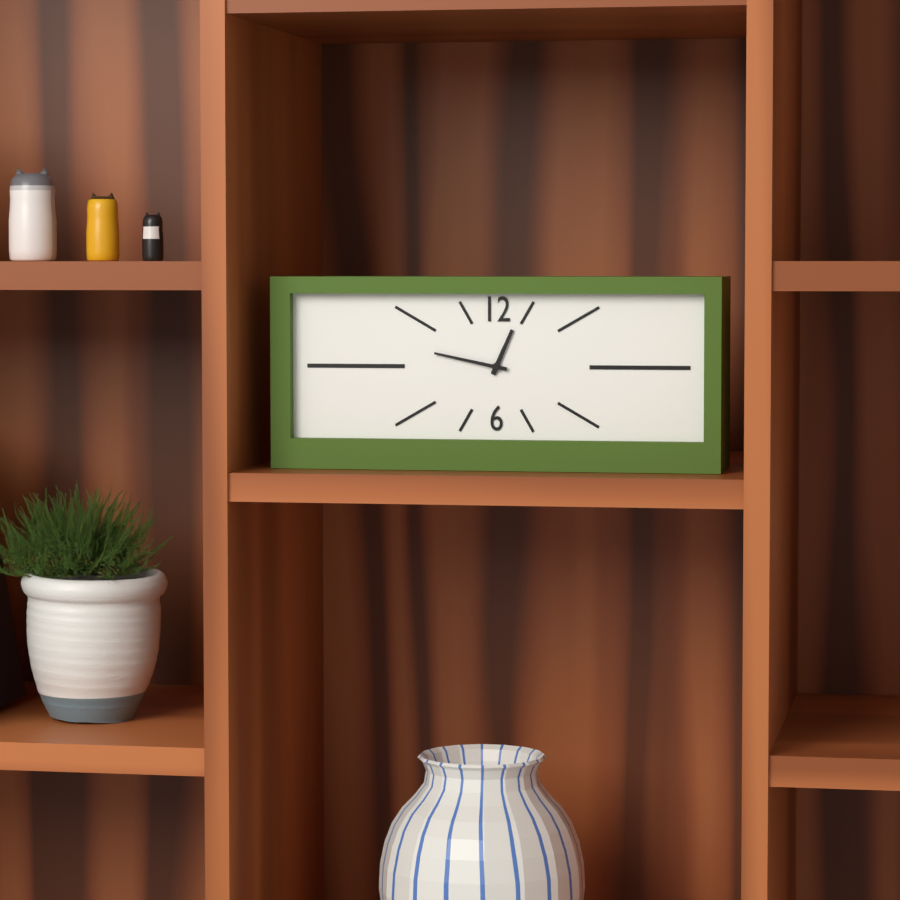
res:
12:47
